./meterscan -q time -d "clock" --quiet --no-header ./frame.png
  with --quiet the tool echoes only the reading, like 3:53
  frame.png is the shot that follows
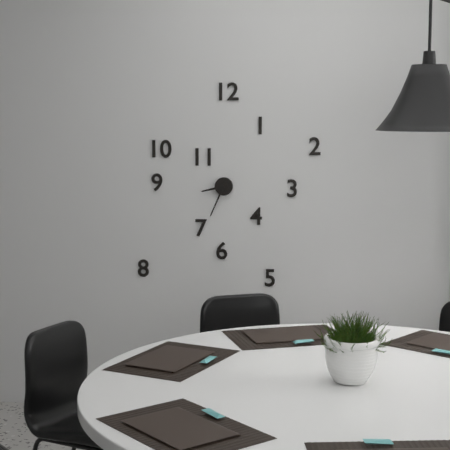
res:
8:34
